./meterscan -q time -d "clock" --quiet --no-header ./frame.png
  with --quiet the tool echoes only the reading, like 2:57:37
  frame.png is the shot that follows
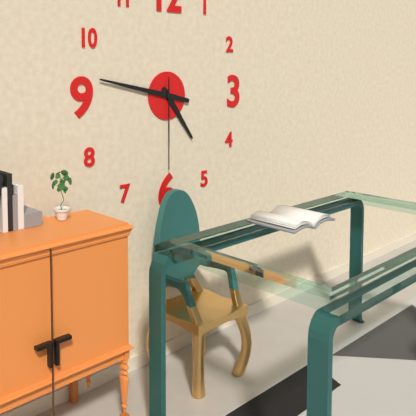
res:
4:47:30
